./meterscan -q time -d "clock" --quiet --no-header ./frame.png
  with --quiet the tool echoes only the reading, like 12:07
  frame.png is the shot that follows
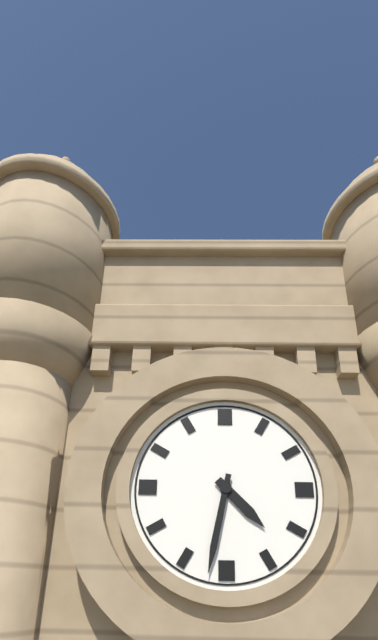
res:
4:32
